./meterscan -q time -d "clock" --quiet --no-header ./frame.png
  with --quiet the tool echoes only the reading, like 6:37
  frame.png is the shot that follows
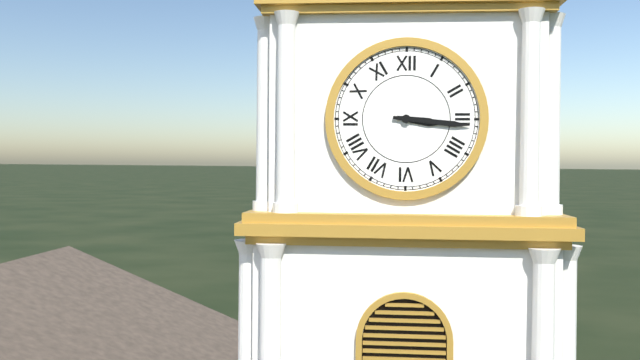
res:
3:16
